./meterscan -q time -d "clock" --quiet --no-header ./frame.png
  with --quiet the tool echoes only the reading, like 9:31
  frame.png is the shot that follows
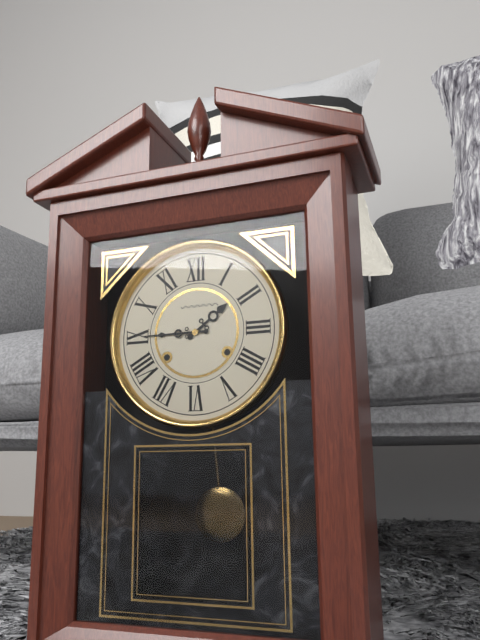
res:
1:45
